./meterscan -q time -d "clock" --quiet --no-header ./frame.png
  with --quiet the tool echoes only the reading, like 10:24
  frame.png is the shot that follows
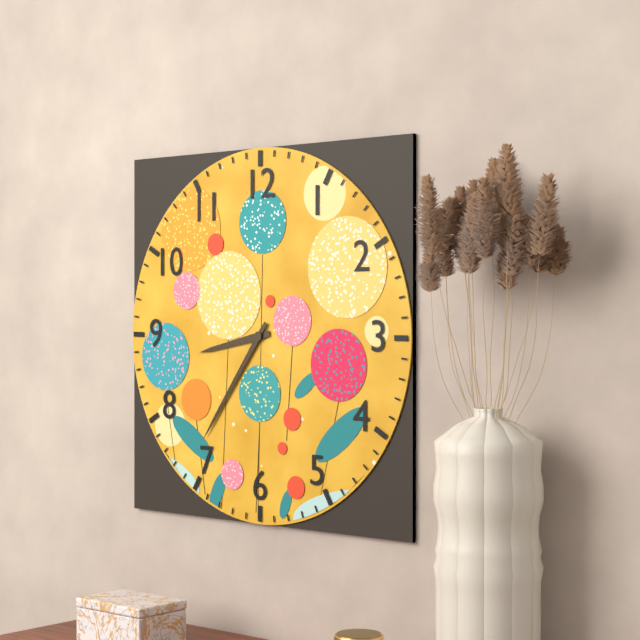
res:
8:36
